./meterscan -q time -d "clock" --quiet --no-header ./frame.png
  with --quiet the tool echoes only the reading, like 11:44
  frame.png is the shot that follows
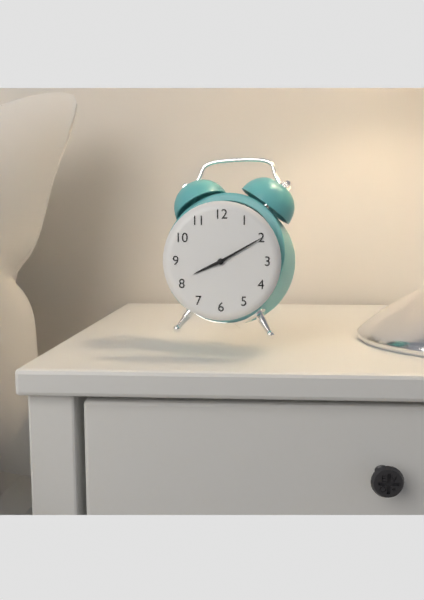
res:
8:10
